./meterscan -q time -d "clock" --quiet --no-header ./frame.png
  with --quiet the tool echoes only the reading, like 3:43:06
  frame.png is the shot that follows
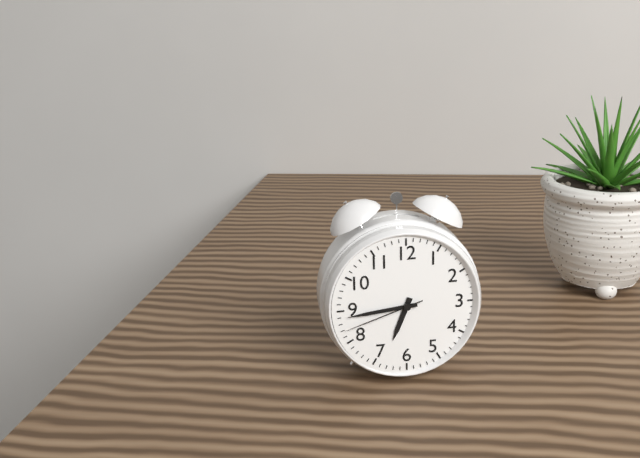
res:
6:44:42
